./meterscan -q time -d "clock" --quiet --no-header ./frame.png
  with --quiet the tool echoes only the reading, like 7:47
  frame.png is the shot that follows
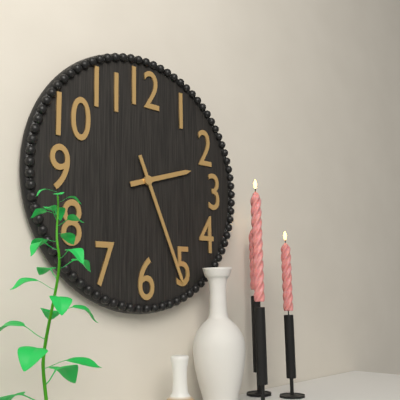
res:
2:26
